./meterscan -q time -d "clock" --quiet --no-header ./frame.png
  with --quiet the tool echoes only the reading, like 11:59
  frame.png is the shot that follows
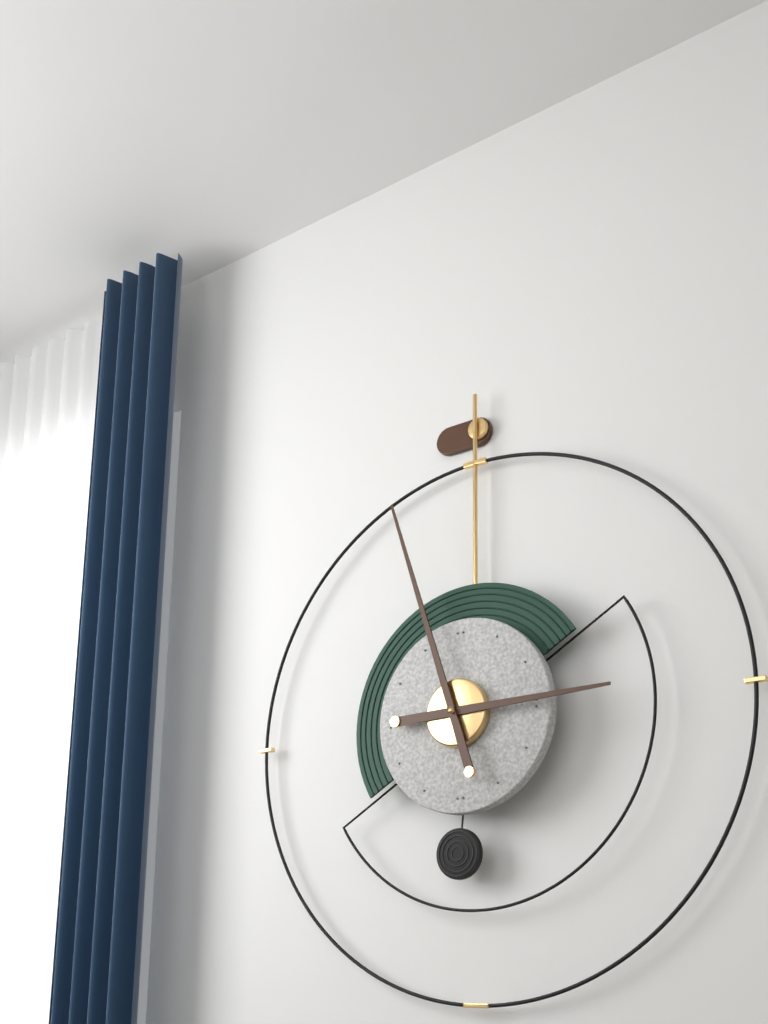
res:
2:57
